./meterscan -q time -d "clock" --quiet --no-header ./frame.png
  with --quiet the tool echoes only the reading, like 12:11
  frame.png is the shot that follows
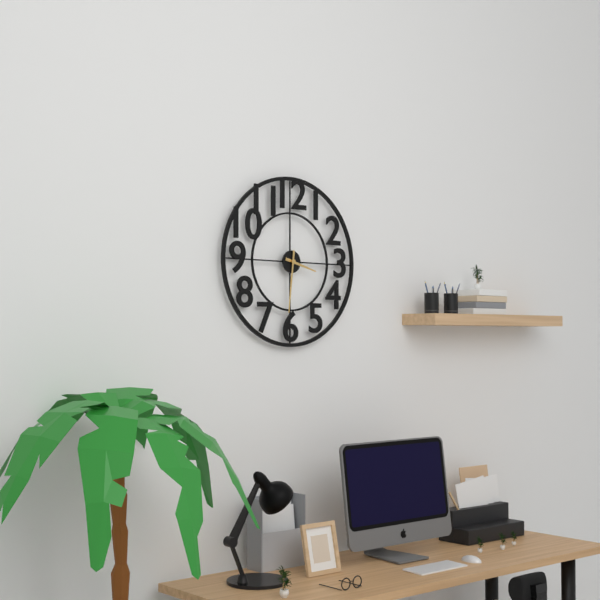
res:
3:31
